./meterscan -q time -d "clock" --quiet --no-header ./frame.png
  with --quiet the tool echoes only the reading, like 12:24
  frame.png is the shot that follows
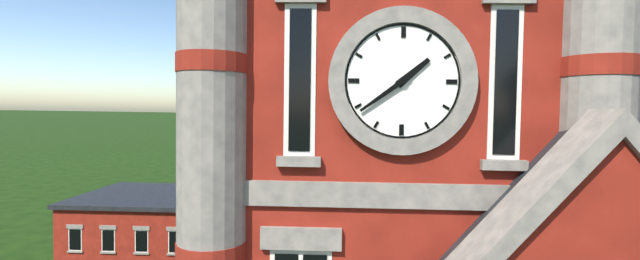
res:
1:39
